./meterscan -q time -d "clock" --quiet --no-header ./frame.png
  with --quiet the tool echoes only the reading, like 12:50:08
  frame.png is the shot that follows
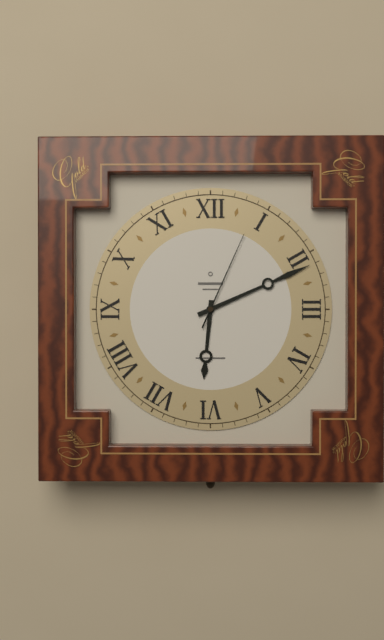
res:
6:11:04
